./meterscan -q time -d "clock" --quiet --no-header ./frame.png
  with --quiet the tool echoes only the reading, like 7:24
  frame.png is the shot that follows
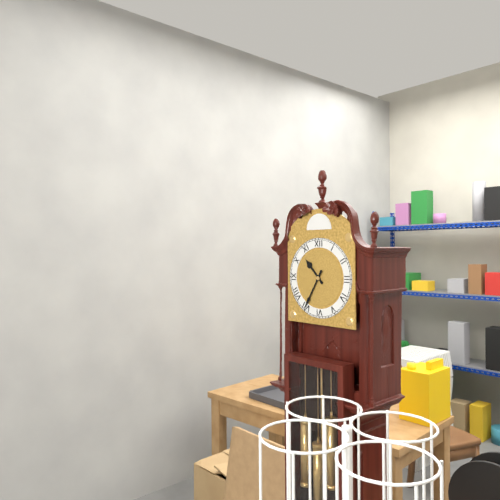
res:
10:35
